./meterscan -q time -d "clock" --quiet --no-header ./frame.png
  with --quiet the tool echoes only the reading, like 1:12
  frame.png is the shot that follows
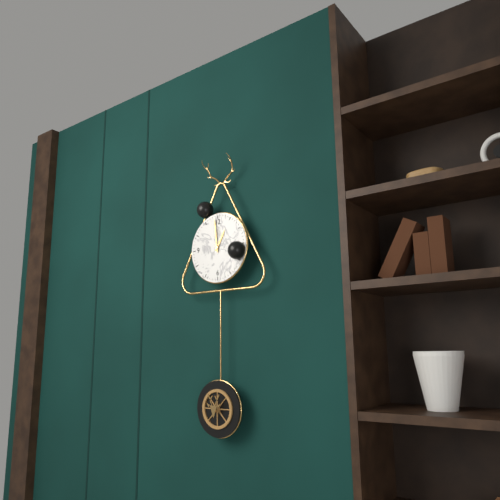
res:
12:59
